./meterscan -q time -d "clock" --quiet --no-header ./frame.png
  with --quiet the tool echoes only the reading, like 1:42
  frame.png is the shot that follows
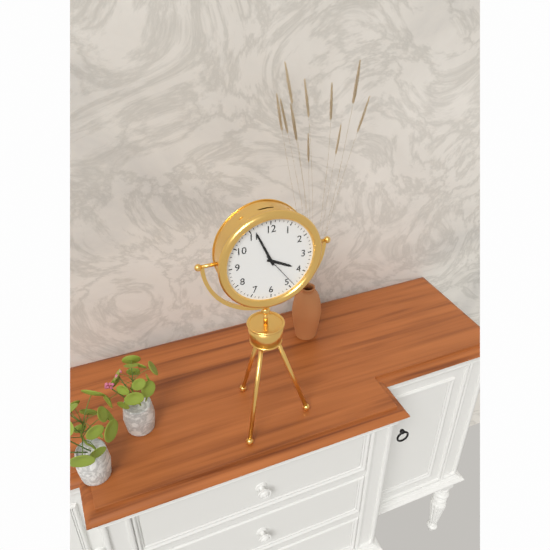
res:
3:56
